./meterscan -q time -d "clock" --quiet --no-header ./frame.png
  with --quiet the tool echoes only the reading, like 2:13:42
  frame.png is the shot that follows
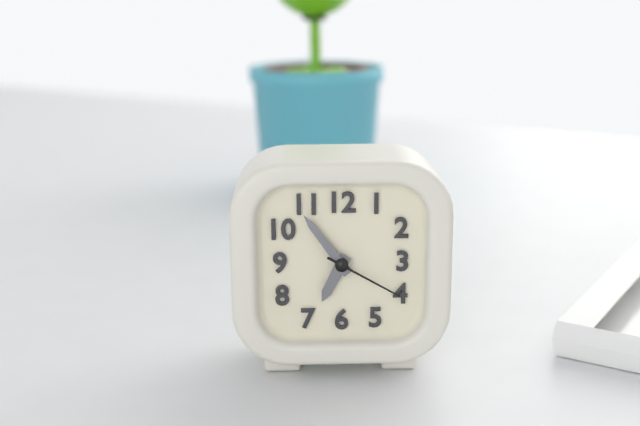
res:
6:54:20
